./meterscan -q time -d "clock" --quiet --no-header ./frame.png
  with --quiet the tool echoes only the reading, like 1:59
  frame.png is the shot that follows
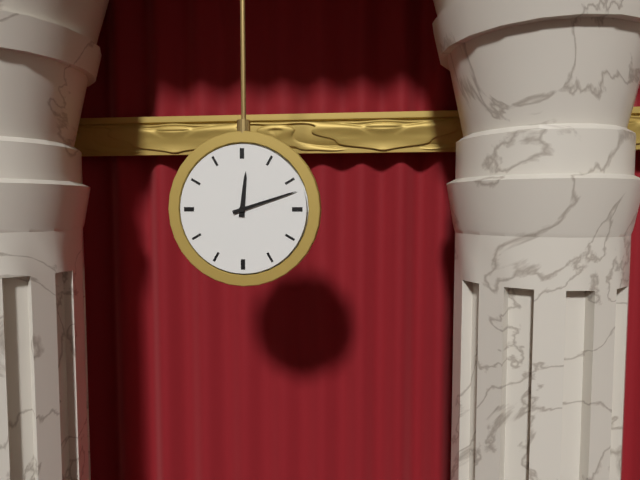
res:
12:12
